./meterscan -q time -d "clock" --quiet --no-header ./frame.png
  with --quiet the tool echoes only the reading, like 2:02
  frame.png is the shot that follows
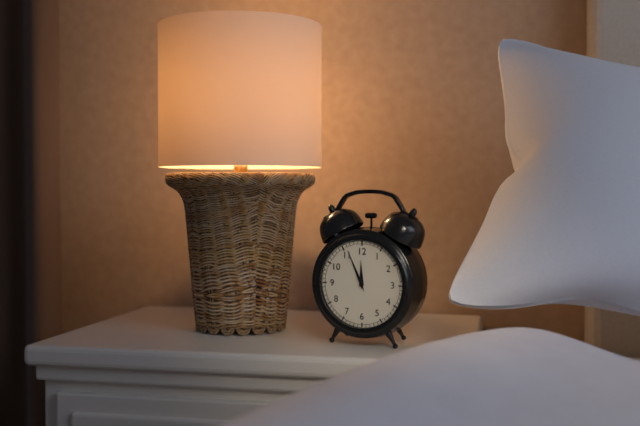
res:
11:56
